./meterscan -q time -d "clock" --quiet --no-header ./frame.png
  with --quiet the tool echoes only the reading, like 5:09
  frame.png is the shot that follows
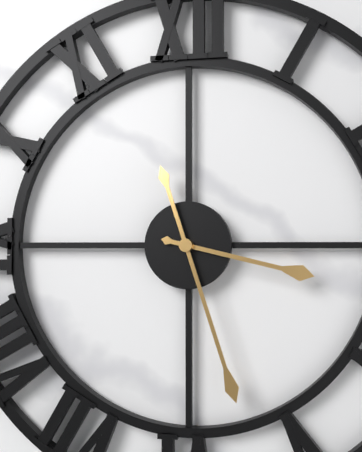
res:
3:27
